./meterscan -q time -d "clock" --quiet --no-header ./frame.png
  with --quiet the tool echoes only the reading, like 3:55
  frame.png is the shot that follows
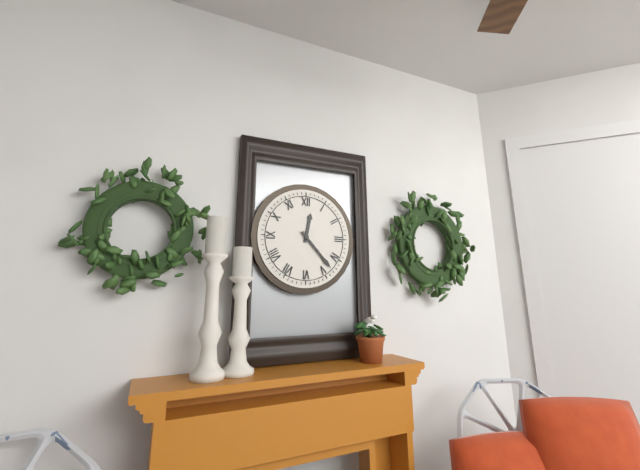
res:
12:23
